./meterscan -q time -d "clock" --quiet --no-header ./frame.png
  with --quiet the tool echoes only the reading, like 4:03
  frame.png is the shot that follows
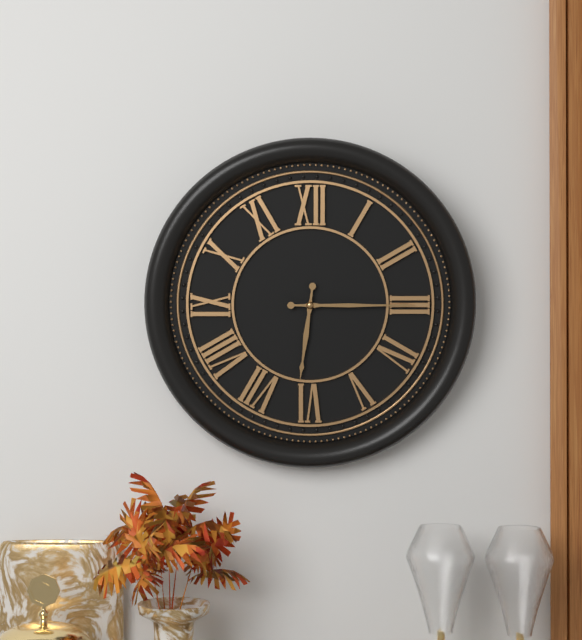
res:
6:15
